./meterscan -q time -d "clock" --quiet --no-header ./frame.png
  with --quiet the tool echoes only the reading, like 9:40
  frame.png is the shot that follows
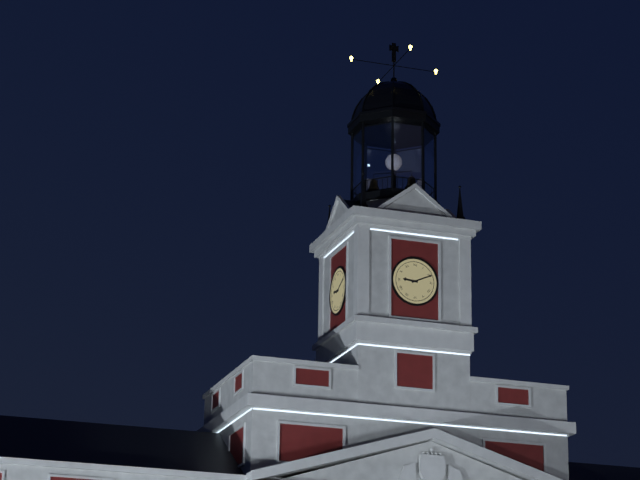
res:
9:11
